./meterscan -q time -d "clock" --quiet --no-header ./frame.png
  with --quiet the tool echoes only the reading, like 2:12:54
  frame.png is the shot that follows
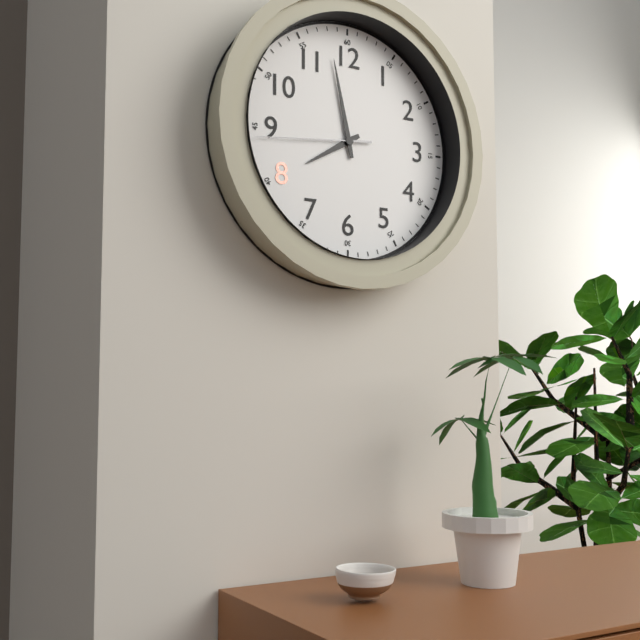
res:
7:58:44
